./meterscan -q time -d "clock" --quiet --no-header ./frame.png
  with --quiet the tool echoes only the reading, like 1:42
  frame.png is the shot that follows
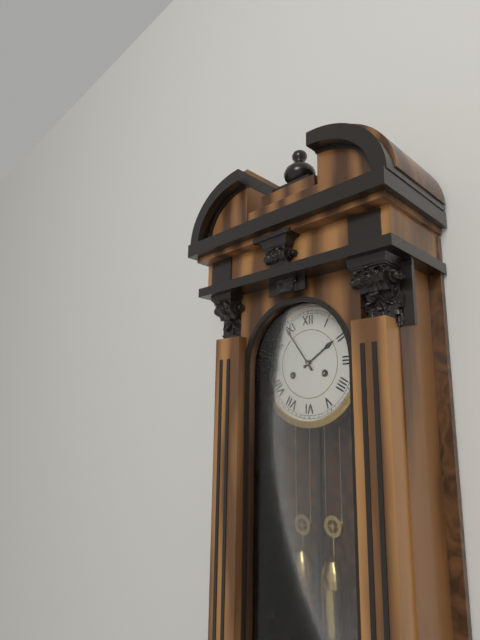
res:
1:54
